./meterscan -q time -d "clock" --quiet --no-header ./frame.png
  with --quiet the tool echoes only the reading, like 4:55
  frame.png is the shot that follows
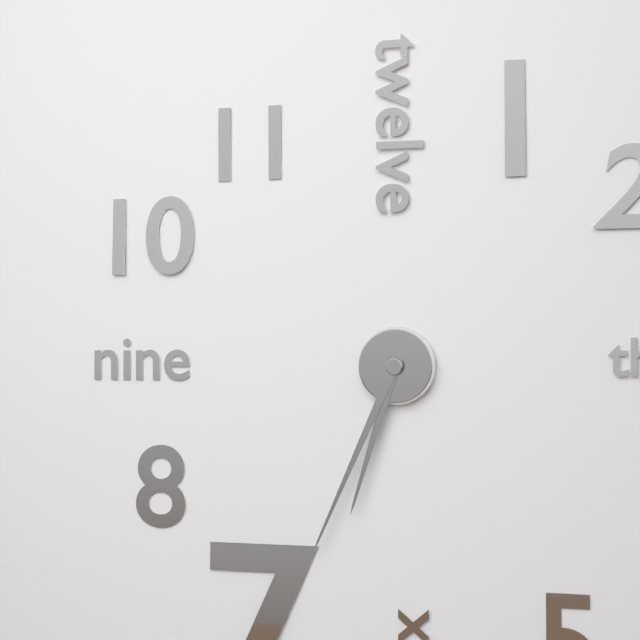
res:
6:34
